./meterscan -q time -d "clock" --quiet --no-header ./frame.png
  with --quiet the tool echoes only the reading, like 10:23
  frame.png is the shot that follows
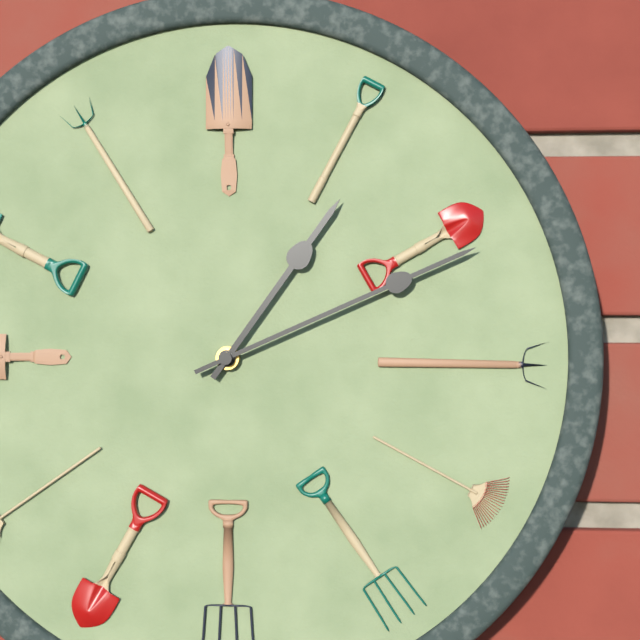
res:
1:11
